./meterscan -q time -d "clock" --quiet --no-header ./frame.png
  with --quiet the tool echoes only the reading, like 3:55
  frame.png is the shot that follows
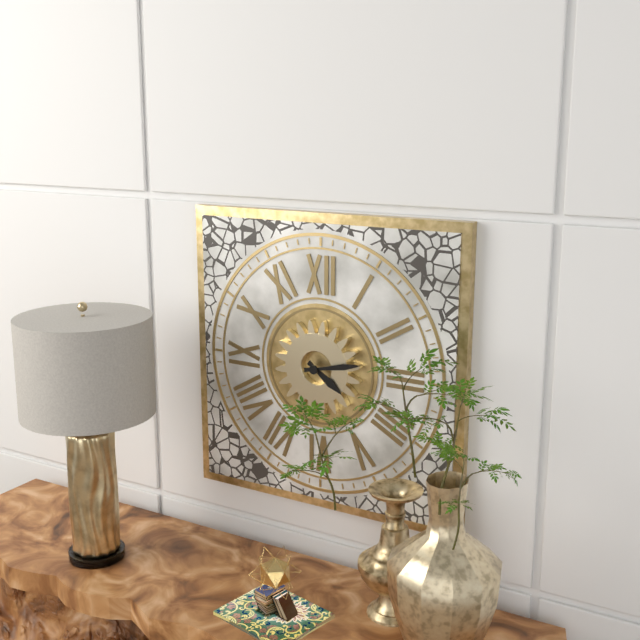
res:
4:13
